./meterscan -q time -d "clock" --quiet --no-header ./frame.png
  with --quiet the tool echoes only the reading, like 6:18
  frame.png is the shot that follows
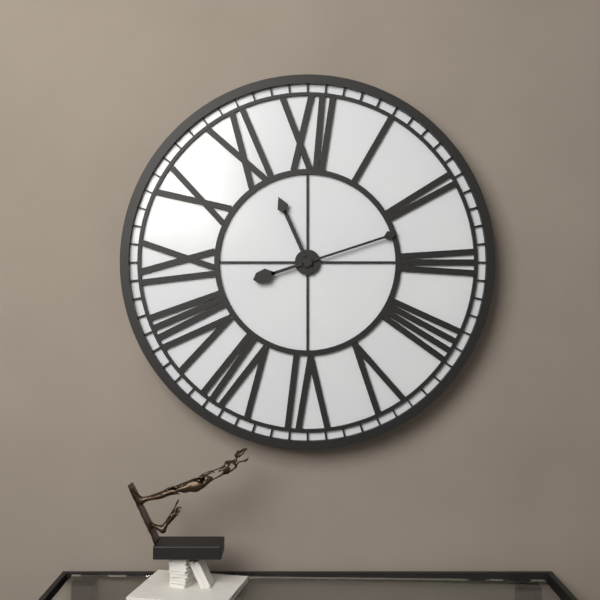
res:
11:12
